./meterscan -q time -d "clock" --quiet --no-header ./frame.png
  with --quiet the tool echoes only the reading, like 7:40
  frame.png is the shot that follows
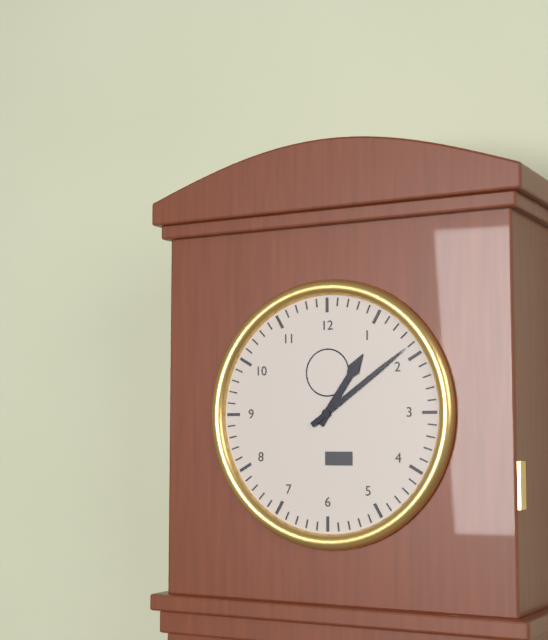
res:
1:09
